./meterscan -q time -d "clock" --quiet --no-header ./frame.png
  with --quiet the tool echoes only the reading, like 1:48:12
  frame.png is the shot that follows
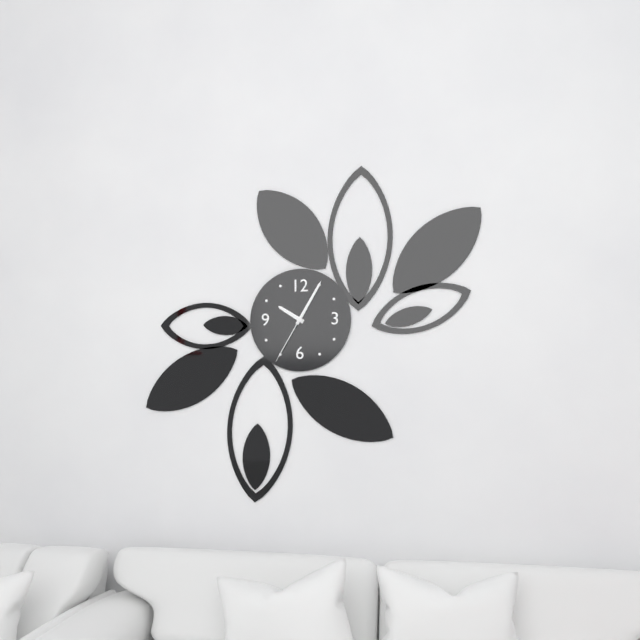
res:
10:05:35
